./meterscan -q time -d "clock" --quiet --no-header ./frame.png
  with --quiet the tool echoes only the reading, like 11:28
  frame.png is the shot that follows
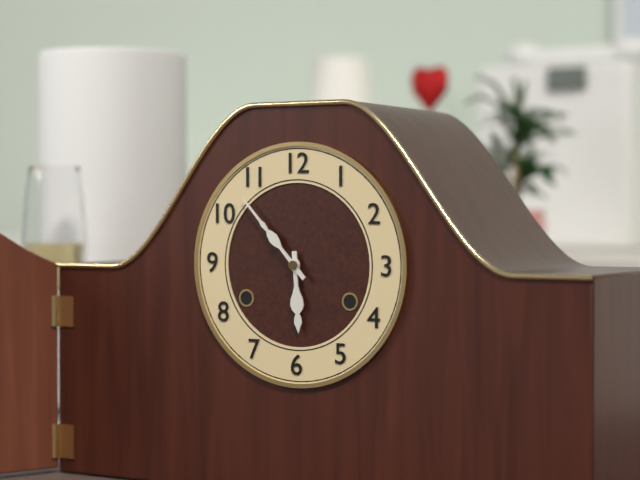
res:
5:53
